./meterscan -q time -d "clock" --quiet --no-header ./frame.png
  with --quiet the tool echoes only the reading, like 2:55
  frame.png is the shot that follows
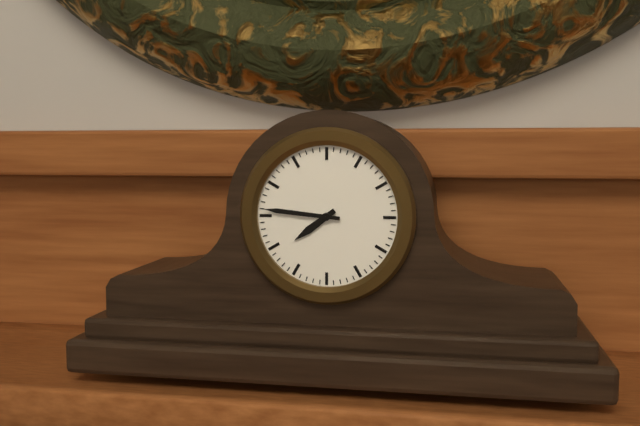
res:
7:46
